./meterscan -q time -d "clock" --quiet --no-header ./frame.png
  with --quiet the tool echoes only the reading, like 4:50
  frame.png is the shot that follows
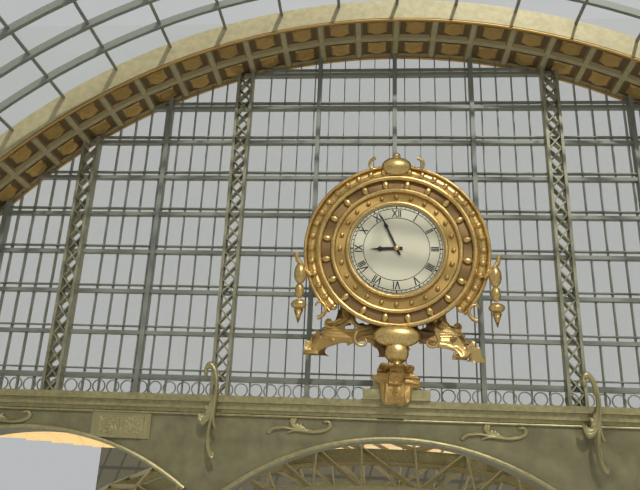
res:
8:56
